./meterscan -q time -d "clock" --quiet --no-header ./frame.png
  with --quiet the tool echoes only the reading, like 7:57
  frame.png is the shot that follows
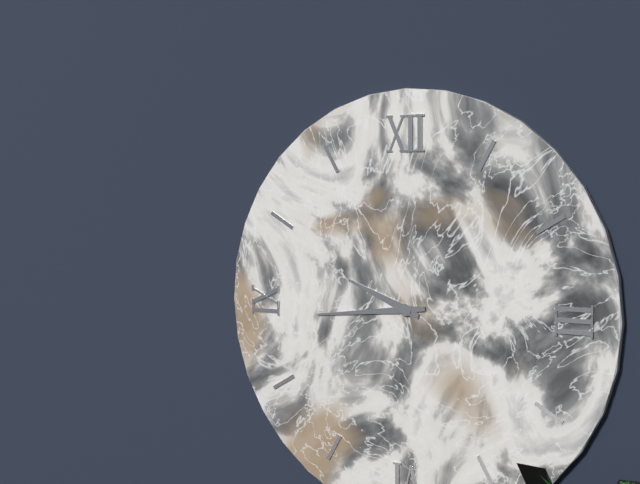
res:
9:44
